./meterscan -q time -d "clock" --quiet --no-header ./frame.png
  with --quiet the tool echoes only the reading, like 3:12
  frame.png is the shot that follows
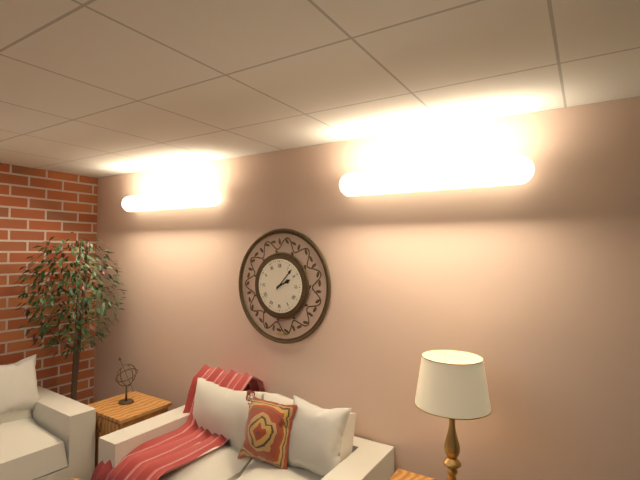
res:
2:07
